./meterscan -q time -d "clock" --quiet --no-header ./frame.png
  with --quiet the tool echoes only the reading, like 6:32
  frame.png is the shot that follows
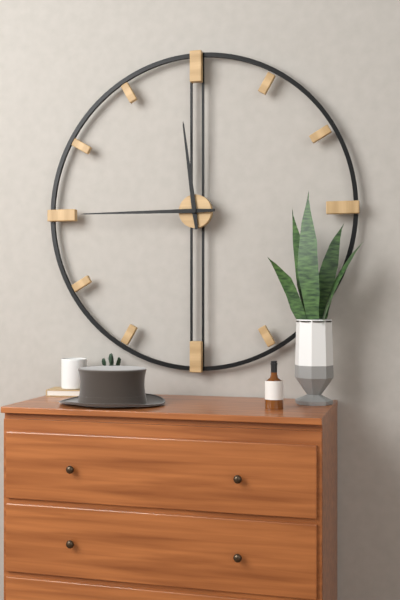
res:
11:45
